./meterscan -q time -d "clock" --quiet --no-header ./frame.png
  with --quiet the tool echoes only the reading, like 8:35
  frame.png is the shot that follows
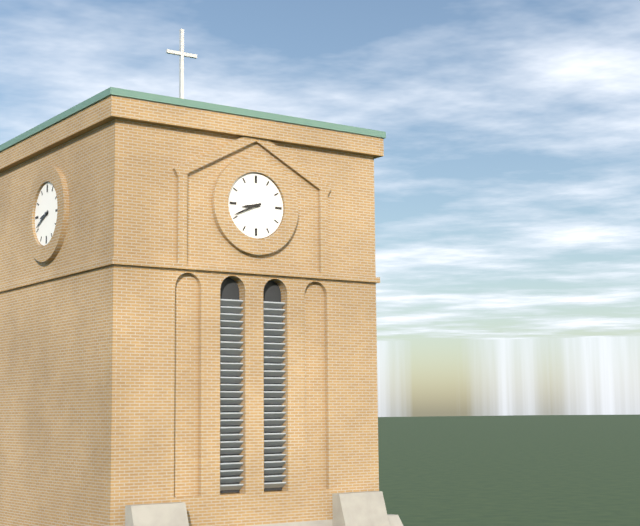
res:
8:41
